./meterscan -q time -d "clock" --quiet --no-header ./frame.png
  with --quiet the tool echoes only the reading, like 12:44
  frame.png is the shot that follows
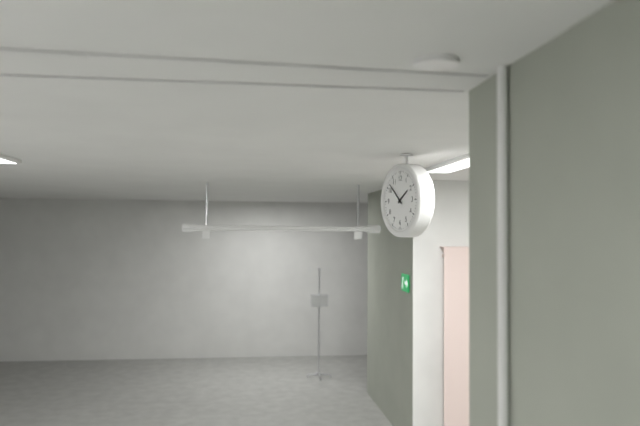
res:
1:52
